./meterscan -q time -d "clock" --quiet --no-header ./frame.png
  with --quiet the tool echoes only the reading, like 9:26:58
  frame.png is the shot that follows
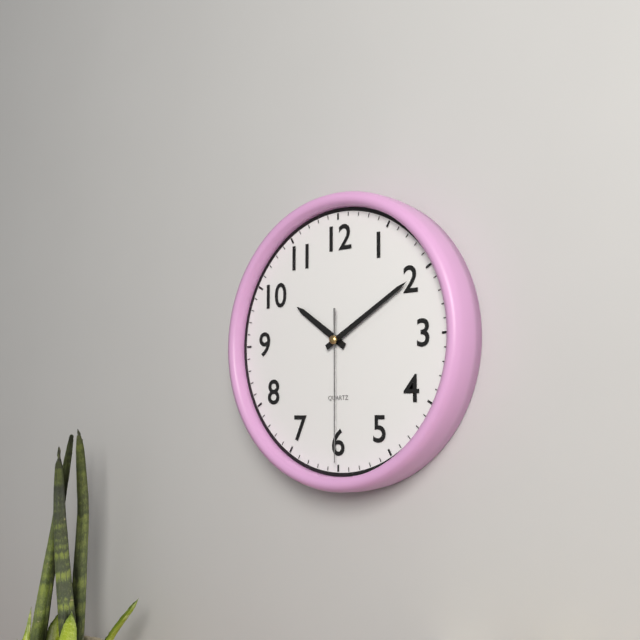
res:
10:10:30
